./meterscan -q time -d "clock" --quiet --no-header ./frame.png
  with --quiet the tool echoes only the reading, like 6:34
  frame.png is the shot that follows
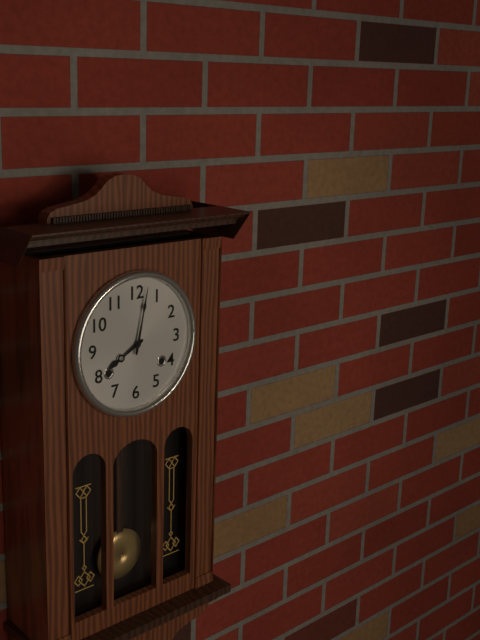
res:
8:02
